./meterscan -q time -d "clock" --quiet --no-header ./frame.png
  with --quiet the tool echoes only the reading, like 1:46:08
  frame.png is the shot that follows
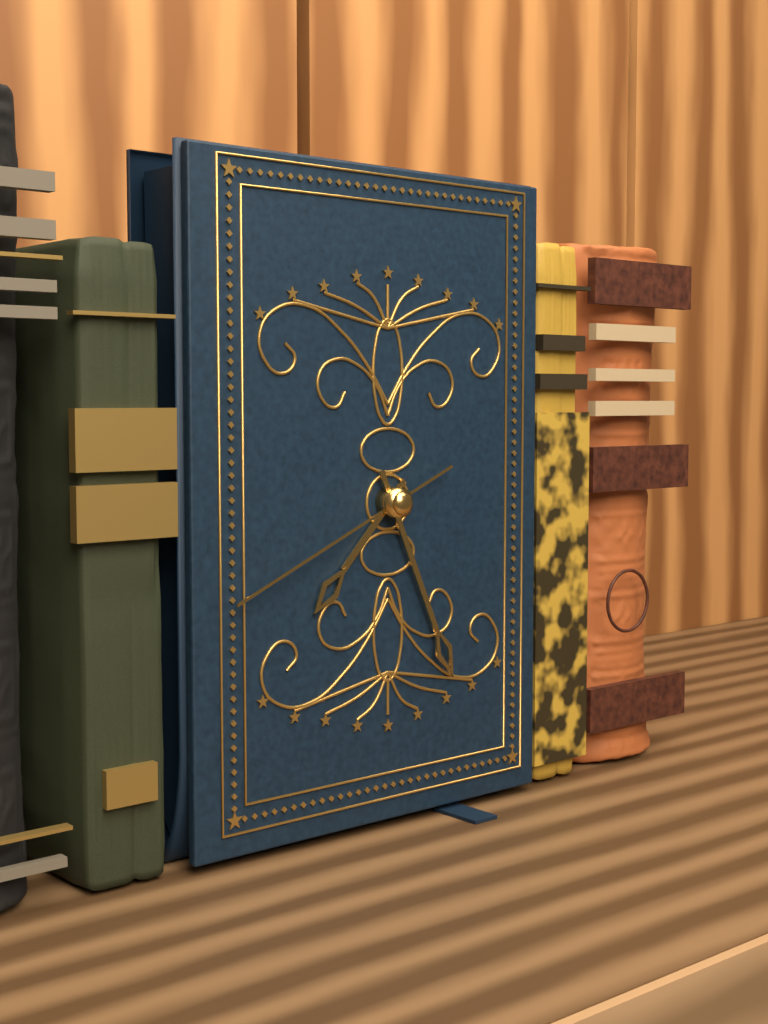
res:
7:26:41
